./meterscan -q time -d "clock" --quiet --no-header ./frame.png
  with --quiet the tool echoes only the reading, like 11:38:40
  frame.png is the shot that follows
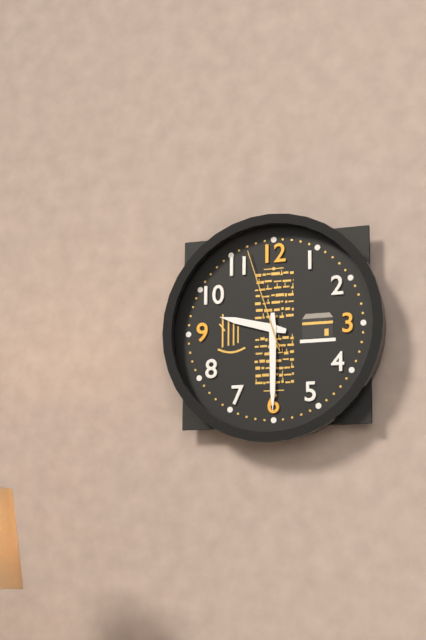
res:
9:30:57
